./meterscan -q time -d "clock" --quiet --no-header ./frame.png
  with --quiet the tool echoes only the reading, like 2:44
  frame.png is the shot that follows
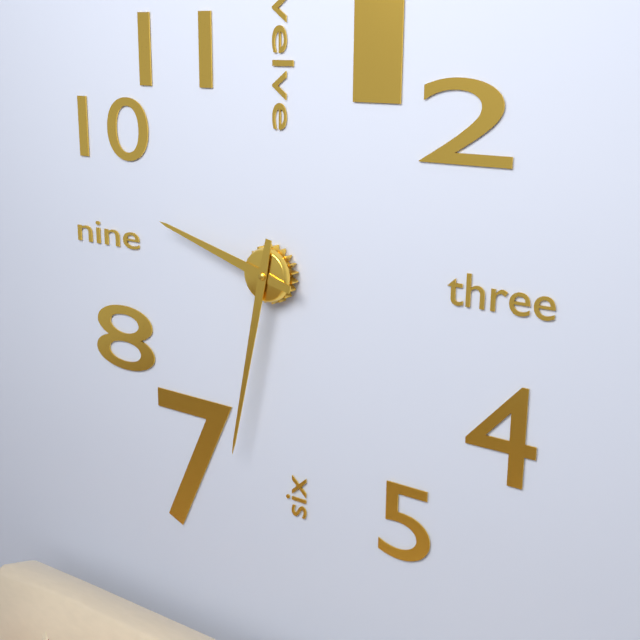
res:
9:32
